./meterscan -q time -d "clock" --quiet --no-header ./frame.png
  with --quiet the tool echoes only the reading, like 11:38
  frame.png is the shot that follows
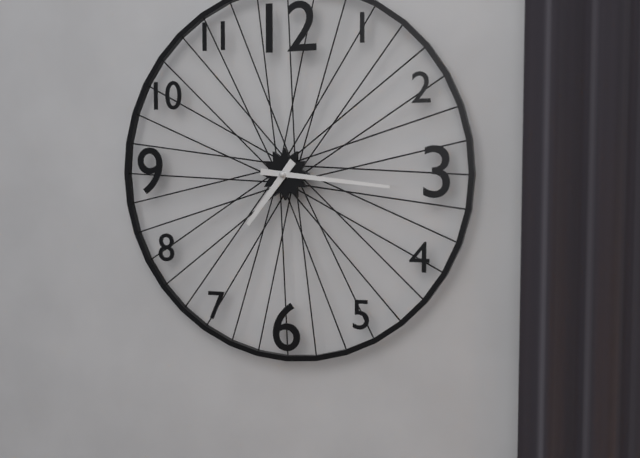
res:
7:16
